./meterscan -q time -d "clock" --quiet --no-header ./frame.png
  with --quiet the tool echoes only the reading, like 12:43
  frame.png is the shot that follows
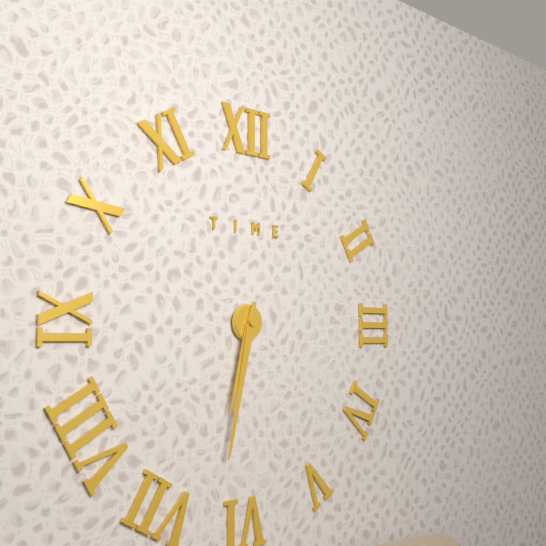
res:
6:32
